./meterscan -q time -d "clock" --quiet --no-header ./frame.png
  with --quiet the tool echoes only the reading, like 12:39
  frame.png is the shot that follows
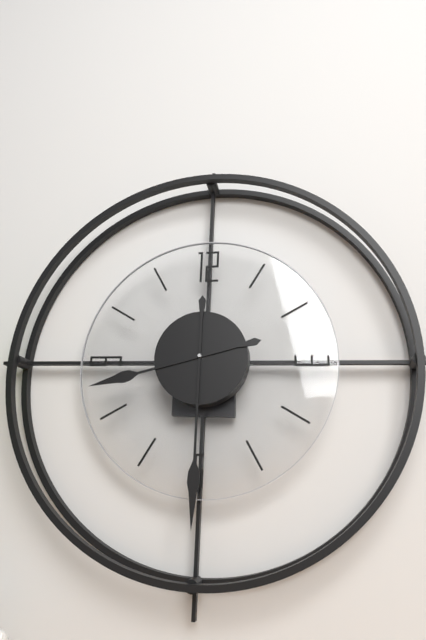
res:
8:30
